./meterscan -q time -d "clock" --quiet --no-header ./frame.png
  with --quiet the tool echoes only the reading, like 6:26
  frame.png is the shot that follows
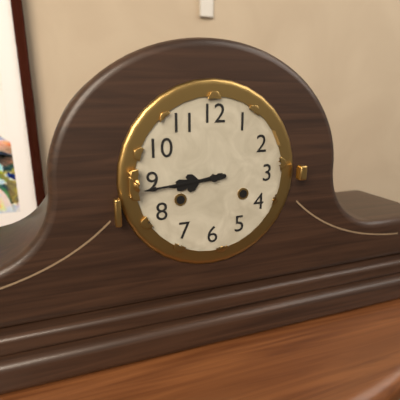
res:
8:44
